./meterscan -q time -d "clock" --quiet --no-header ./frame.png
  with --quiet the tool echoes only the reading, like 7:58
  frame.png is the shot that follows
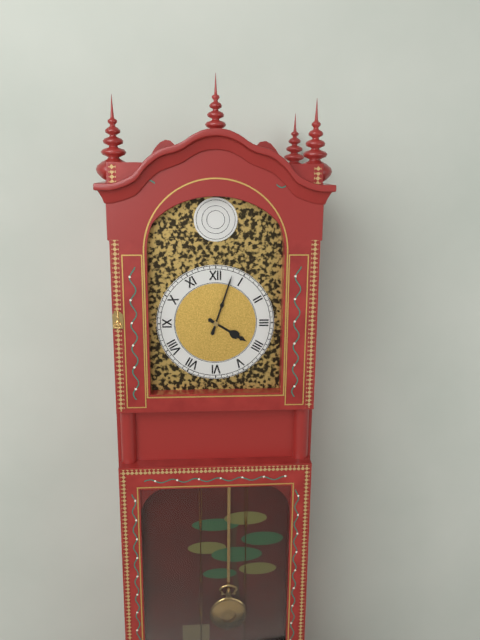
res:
4:03
